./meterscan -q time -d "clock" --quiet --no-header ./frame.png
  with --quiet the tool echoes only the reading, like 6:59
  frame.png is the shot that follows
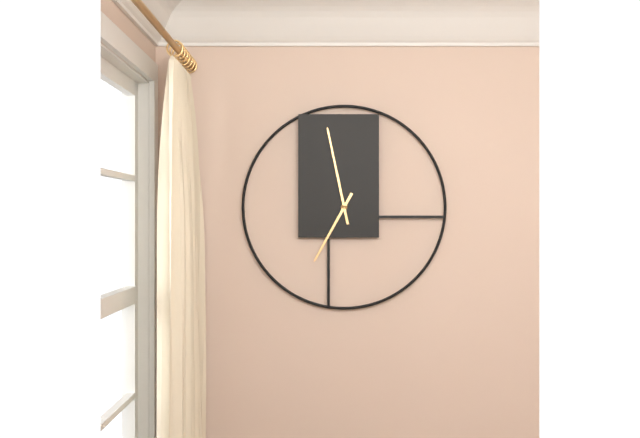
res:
6:58
